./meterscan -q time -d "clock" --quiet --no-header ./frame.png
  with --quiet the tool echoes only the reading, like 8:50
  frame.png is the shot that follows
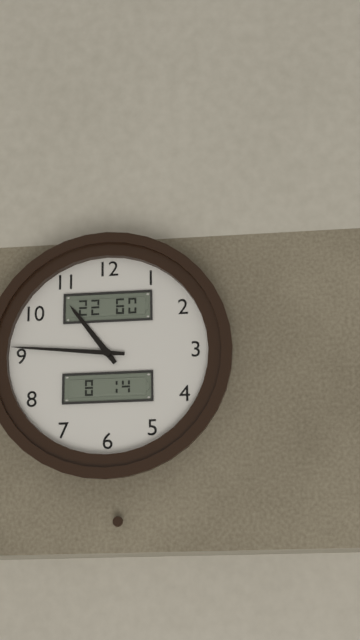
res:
10:46
